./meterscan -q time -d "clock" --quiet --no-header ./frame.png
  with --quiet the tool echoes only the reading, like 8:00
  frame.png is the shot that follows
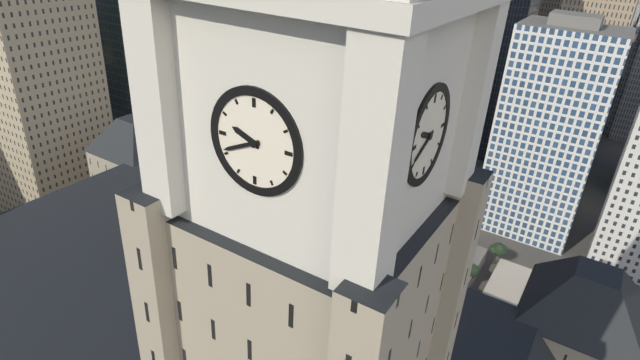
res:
9:41
